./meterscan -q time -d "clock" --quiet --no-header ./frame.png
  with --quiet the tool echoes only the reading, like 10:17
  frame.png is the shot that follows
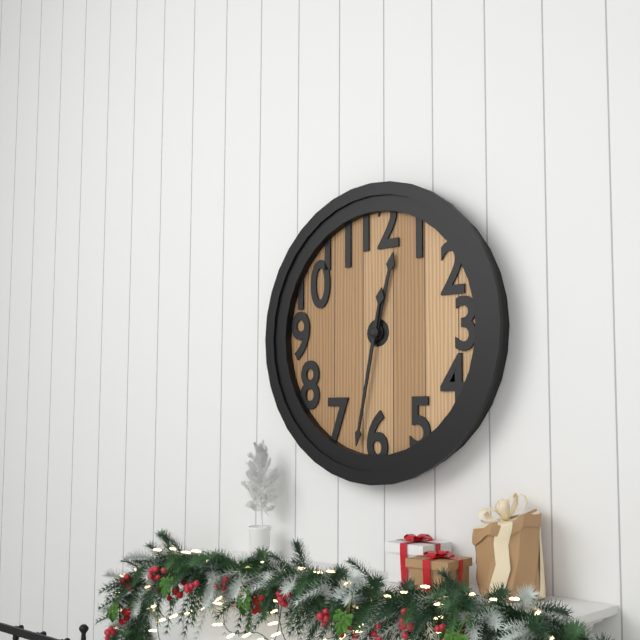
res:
12:32
